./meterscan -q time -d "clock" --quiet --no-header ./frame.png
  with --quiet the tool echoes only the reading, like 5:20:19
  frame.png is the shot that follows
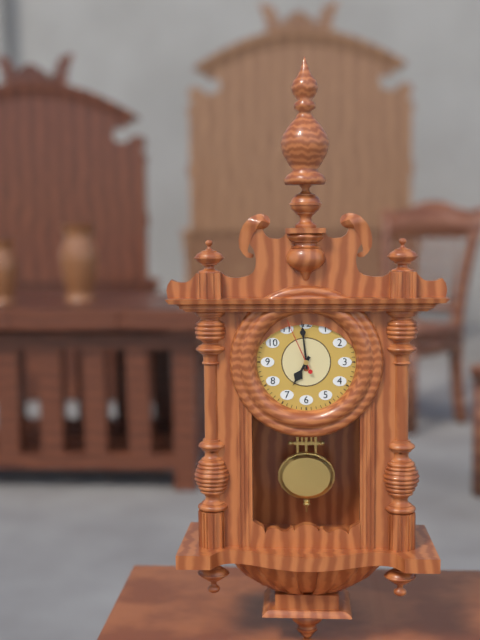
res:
6:59:56
